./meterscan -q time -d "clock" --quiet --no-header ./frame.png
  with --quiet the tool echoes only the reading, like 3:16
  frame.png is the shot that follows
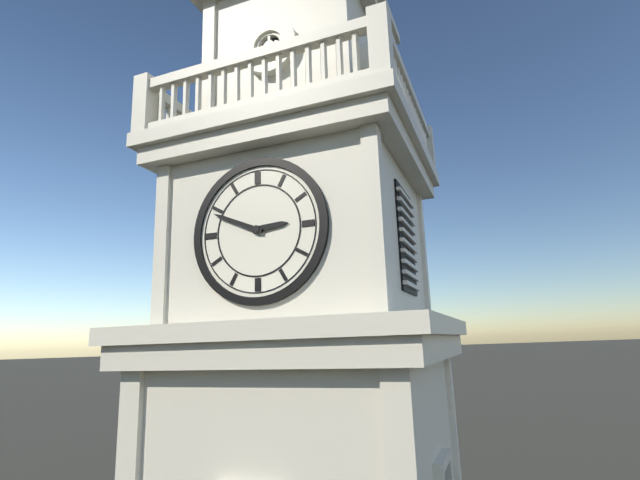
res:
2:49
